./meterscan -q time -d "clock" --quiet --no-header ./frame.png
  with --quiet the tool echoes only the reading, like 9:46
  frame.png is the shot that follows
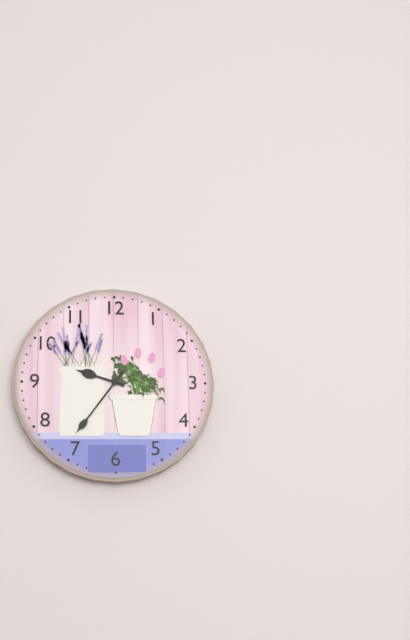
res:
9:36
